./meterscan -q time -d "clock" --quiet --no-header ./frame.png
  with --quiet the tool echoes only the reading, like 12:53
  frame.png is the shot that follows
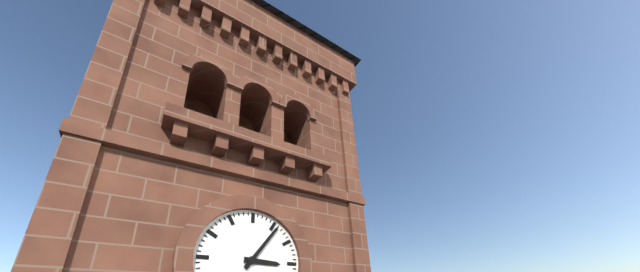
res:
3:06
